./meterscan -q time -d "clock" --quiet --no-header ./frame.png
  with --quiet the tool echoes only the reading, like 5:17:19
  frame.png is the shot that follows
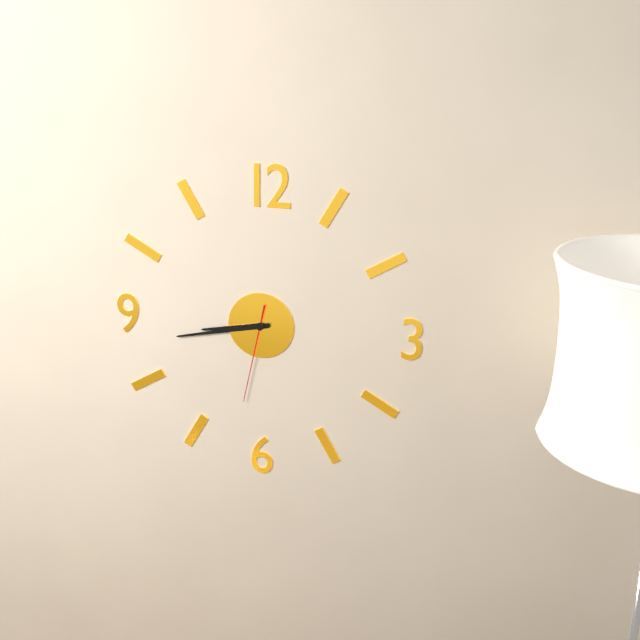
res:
8:43:32
